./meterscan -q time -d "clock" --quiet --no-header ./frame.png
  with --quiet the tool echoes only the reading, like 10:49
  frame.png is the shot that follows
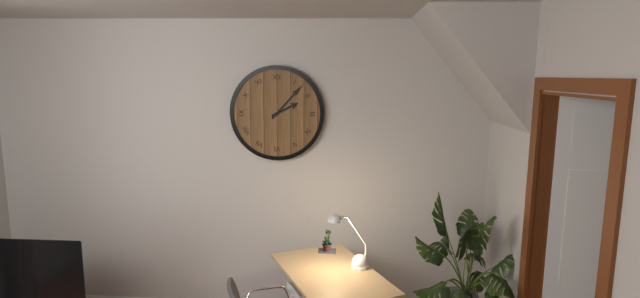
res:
2:07
